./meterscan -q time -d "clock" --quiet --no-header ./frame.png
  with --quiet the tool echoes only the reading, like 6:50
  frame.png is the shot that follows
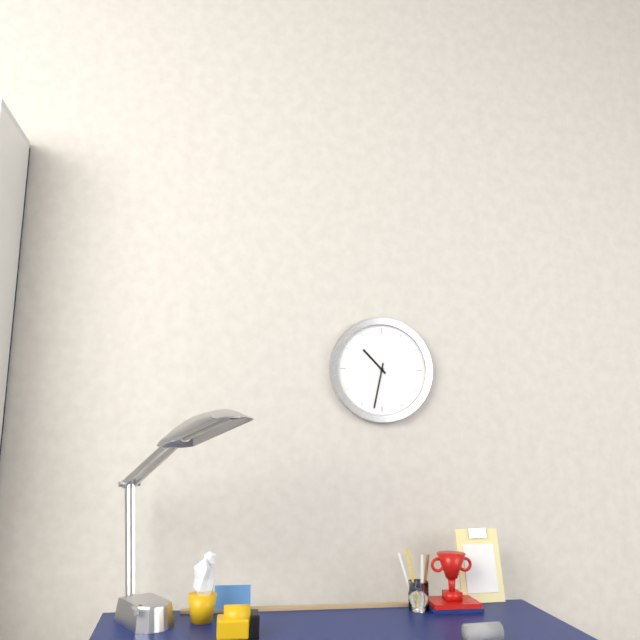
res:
10:32
